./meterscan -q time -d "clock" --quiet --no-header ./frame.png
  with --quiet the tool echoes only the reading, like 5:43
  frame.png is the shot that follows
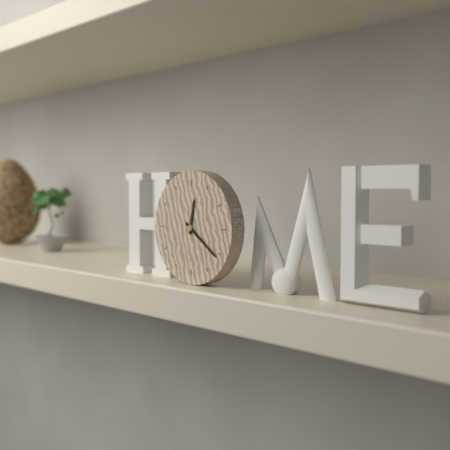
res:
12:21
